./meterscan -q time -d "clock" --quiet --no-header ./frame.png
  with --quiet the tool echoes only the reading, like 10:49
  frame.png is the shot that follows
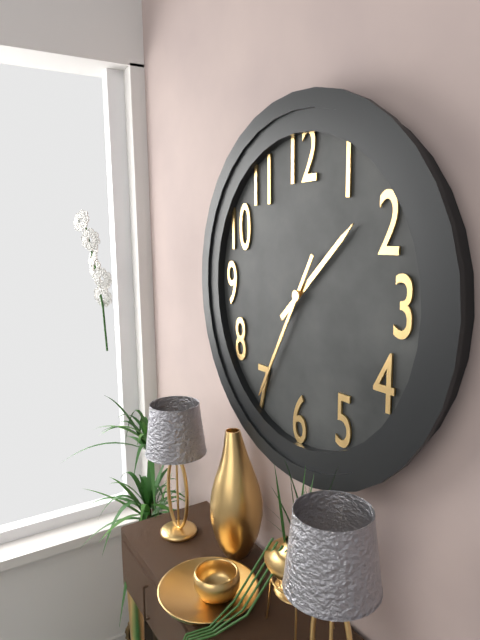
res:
1:35
